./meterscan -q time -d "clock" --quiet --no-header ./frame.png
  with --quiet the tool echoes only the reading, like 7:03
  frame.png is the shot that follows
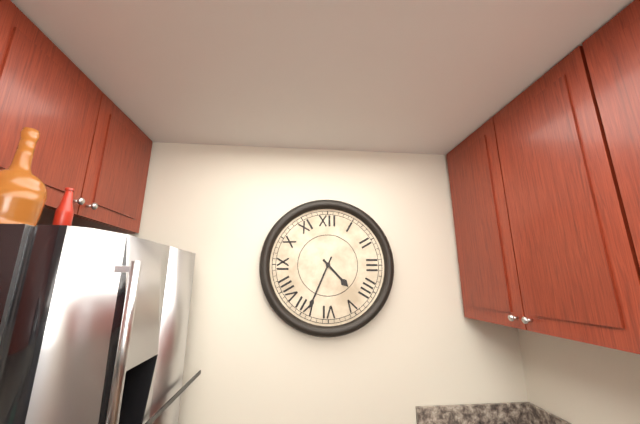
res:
4:34
